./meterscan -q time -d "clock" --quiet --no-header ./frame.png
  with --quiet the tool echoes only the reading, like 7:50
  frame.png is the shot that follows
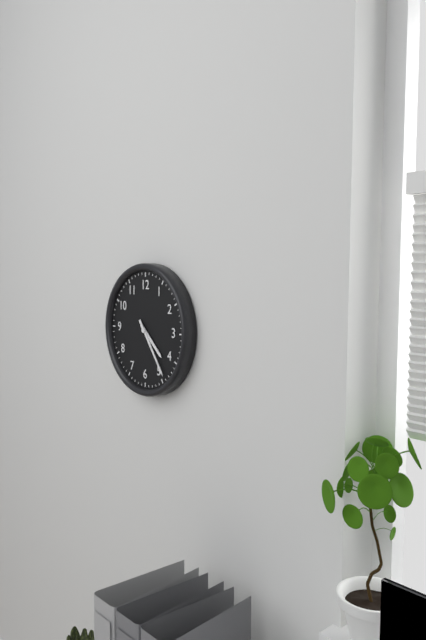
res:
4:24
